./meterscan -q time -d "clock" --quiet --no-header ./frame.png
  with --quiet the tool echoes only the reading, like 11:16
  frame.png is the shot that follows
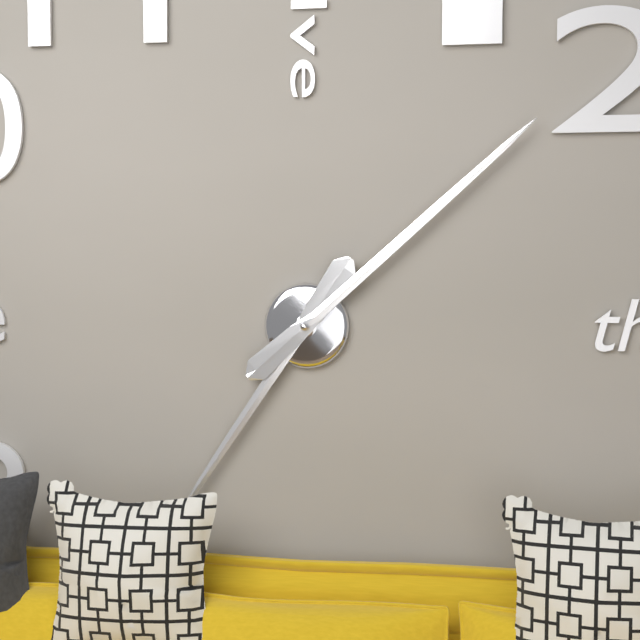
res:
7:08
